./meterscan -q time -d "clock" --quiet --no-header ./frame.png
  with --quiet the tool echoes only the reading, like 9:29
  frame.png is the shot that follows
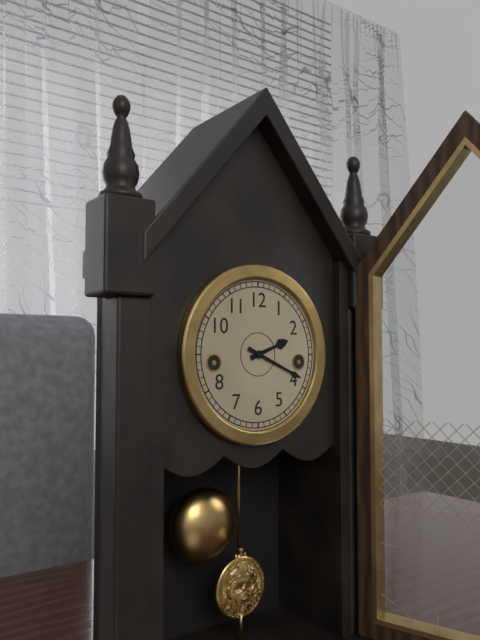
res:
2:19
